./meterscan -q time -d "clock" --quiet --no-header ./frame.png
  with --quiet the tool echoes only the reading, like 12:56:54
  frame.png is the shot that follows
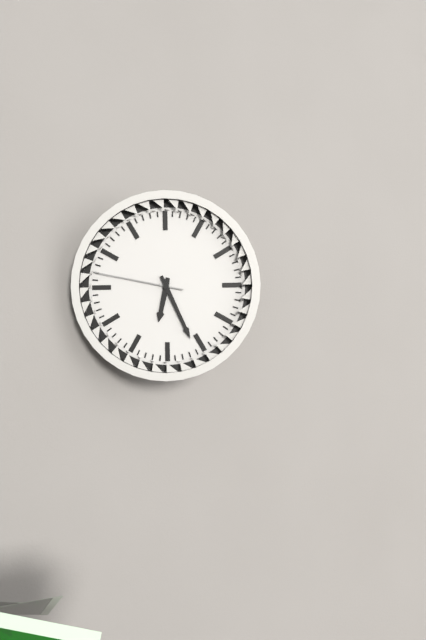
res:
6:26:47
